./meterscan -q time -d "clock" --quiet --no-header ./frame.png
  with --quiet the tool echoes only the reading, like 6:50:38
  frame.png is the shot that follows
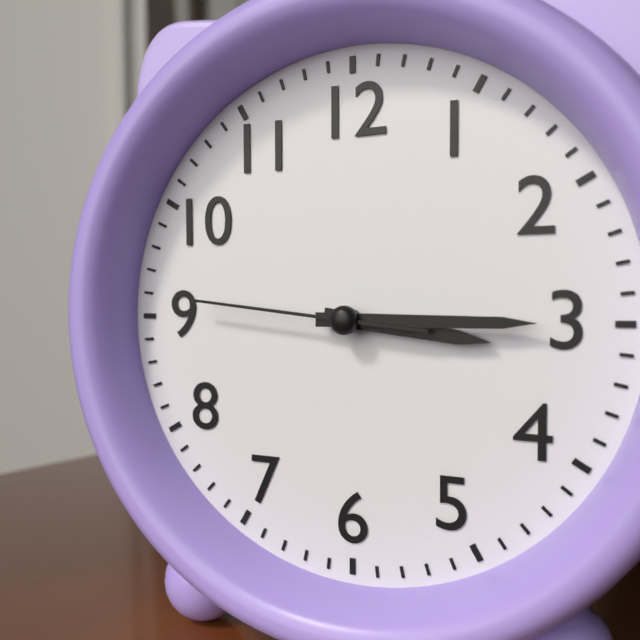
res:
3:15:46
